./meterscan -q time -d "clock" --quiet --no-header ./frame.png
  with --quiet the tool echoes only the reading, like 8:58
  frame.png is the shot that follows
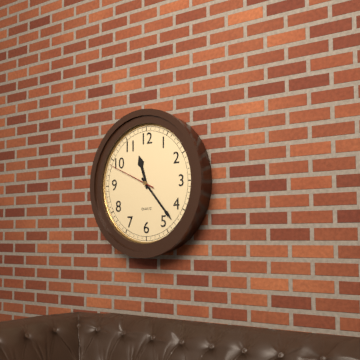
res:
11:23
